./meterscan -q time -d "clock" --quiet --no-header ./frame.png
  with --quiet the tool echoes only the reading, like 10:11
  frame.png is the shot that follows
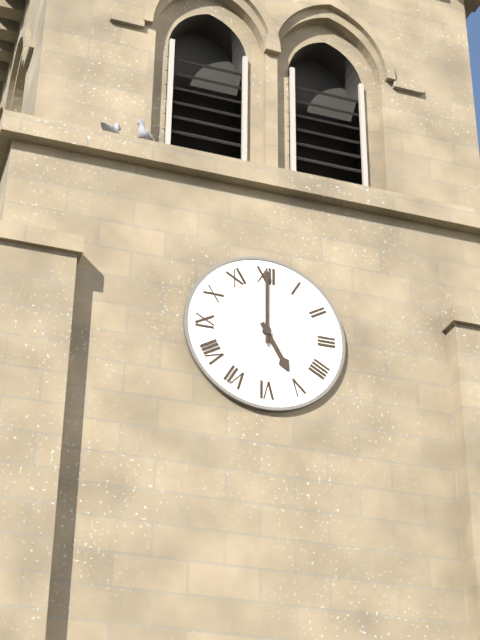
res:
5:00
